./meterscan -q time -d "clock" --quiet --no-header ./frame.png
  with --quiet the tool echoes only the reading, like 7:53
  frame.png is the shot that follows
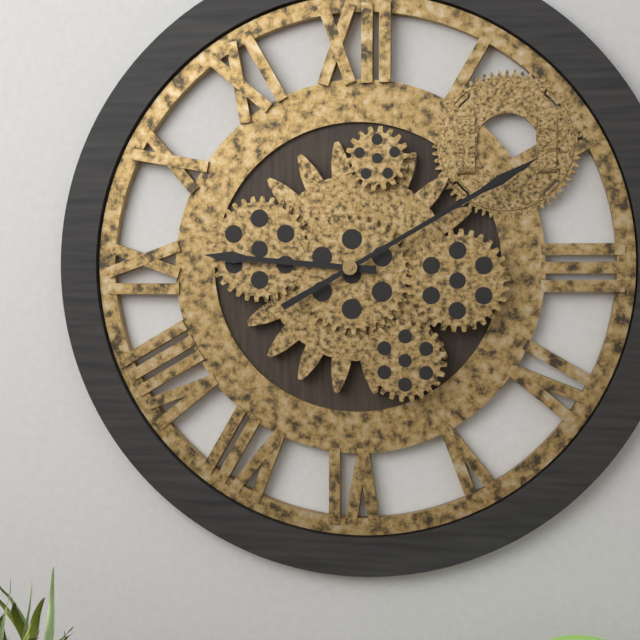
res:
9:10
